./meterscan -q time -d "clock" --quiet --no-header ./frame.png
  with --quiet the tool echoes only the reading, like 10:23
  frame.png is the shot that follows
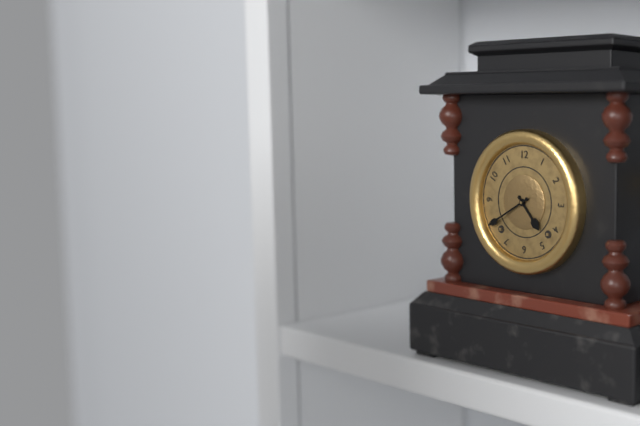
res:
4:40
